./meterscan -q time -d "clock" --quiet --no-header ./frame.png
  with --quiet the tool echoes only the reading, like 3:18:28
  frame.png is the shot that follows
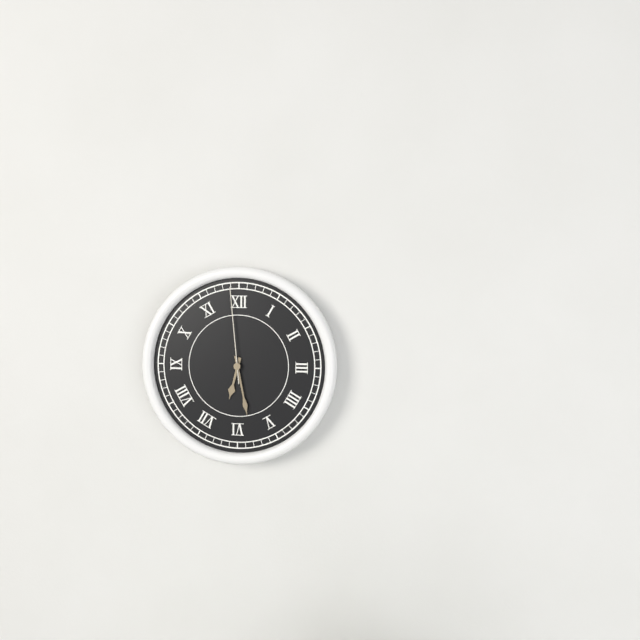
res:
6:28:59
